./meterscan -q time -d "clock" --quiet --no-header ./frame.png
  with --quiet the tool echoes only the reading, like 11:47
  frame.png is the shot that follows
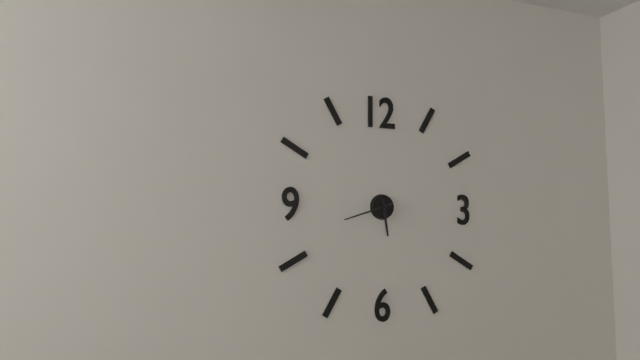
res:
5:42
